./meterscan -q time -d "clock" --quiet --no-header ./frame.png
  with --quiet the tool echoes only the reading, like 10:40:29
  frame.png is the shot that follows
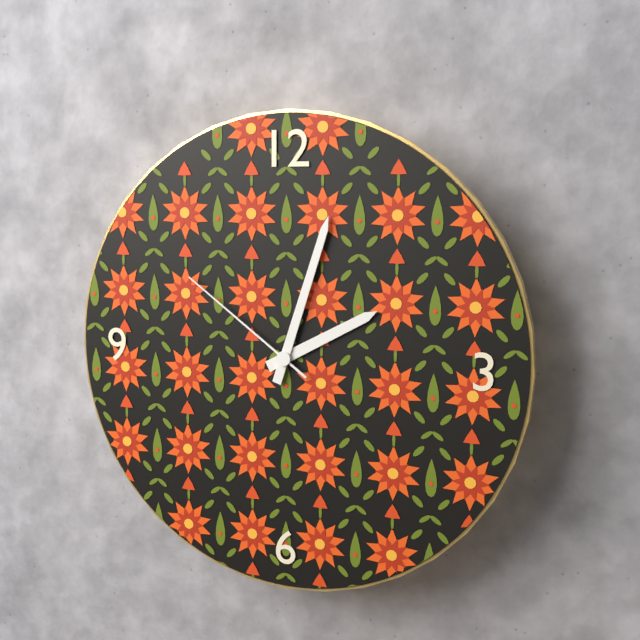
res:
2:03:51
